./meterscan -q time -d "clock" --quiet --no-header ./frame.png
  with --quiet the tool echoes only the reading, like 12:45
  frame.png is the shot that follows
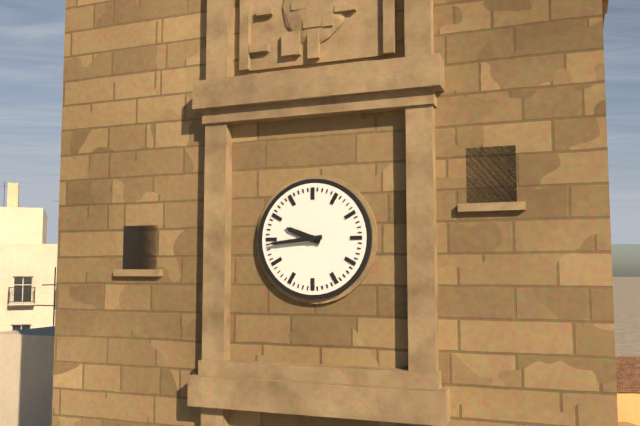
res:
9:44
